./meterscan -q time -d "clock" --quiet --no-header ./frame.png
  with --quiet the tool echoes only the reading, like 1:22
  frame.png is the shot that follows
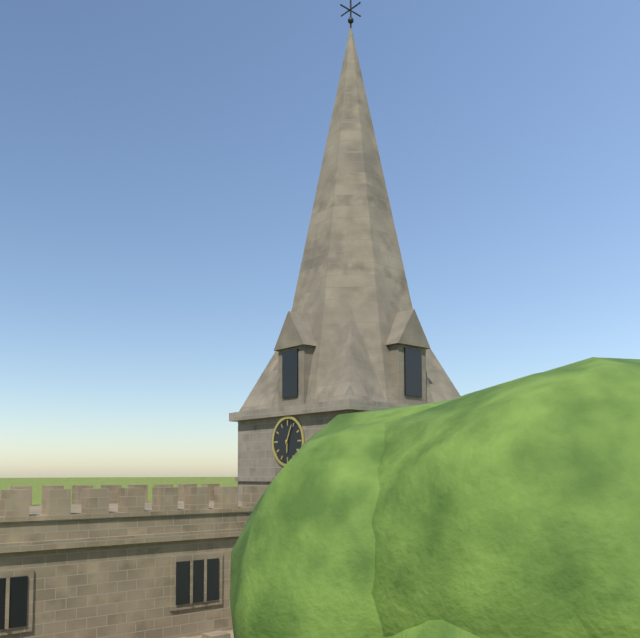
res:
6:04
